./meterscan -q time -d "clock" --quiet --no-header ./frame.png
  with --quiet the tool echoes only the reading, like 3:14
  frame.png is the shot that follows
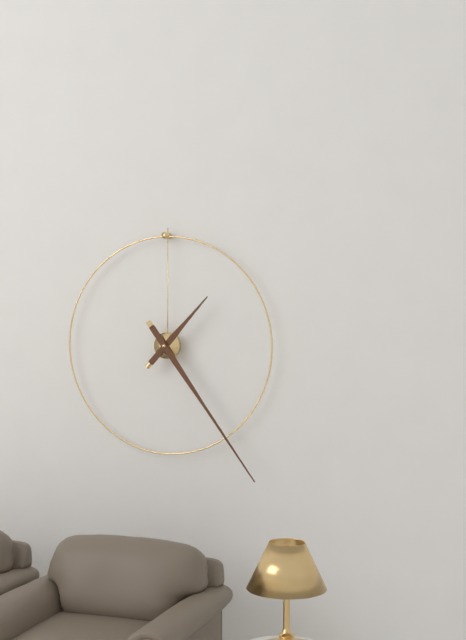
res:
1:24
